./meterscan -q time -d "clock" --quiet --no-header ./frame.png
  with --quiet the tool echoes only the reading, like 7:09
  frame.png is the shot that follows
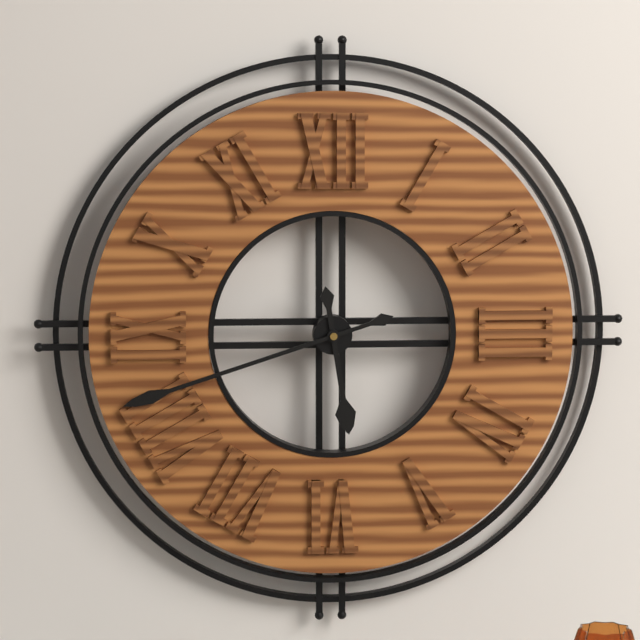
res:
5:42
